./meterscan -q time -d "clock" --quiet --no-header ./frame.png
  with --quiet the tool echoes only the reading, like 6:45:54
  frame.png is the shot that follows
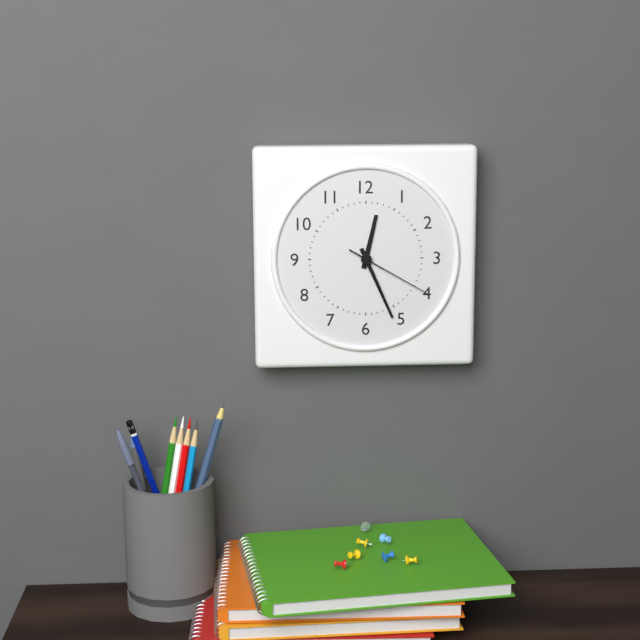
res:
12:26:20
